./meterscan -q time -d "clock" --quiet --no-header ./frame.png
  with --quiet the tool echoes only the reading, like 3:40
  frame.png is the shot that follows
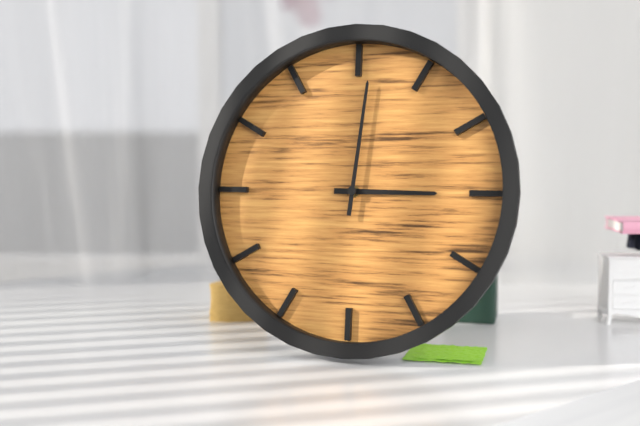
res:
3:01
